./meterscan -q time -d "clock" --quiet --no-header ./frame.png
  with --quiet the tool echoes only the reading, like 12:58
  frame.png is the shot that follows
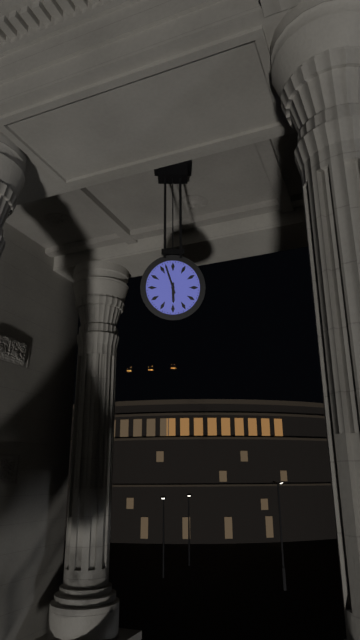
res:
5:57
